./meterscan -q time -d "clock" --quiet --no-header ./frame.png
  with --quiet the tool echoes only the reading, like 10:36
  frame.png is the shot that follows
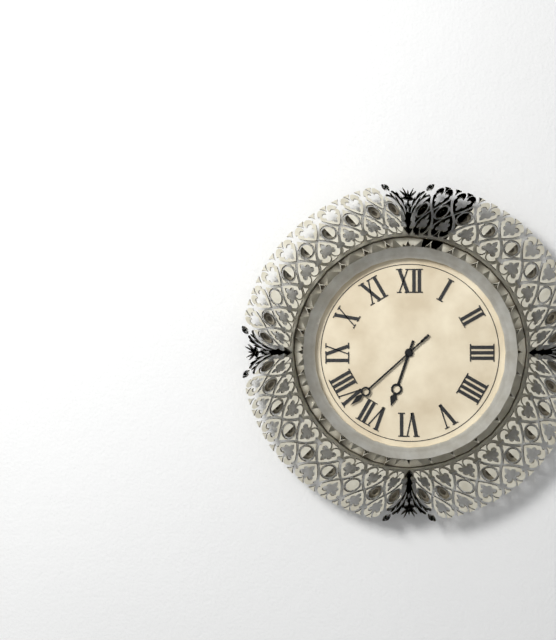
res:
6:38
